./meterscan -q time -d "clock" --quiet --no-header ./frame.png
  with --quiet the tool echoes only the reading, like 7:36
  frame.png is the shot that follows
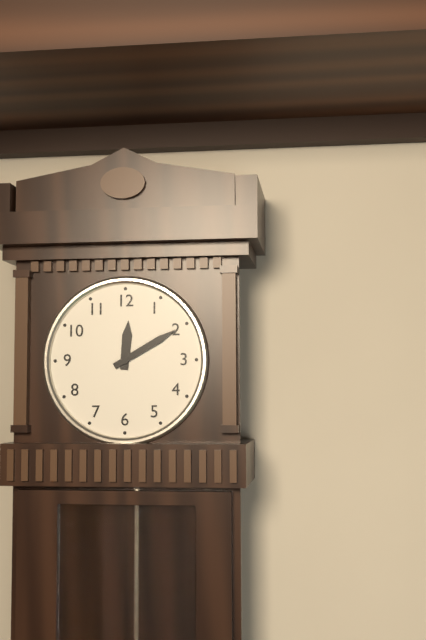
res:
12:10
